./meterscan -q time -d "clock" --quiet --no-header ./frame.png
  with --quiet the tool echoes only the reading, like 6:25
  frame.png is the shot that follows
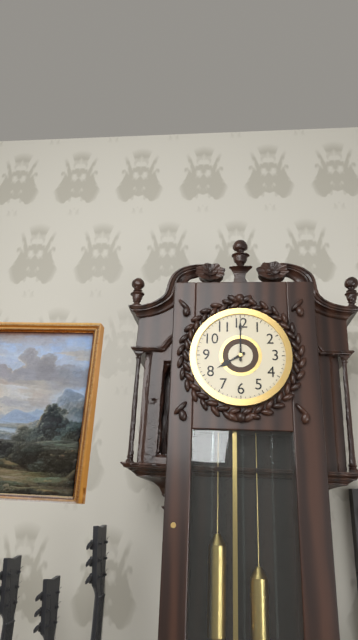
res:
8:00
